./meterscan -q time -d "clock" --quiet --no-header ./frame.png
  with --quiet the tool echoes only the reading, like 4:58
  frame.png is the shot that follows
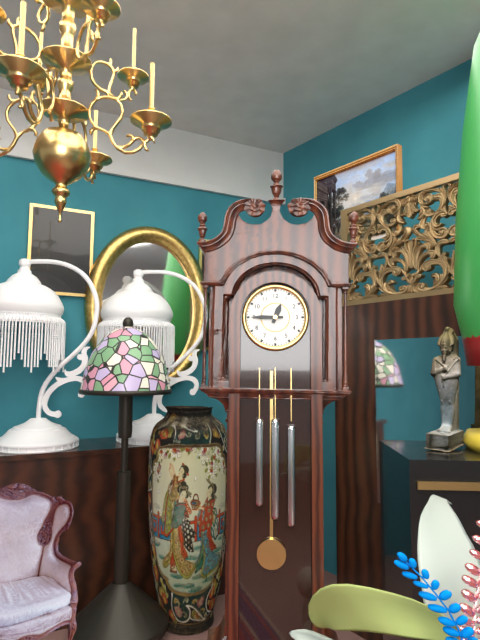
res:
12:45
